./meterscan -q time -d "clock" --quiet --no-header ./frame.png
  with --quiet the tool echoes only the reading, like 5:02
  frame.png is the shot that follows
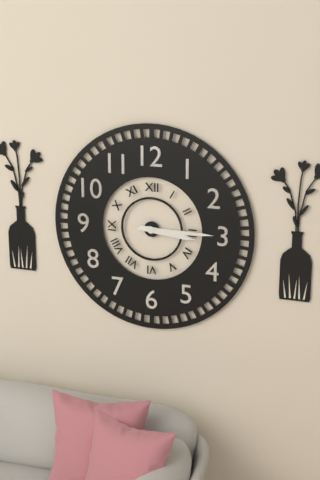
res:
3:15
